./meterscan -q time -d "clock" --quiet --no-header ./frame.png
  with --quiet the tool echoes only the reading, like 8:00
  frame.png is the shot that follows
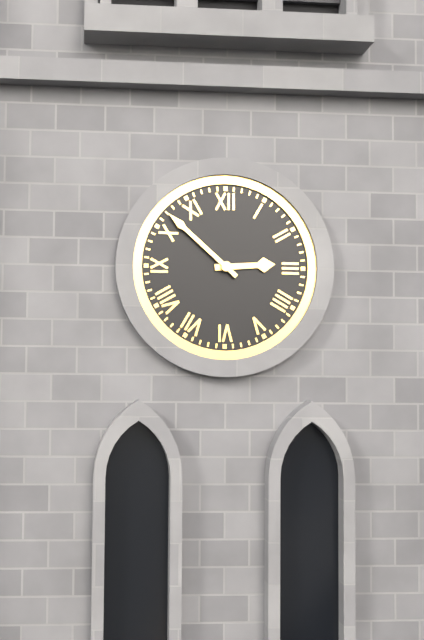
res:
2:52
